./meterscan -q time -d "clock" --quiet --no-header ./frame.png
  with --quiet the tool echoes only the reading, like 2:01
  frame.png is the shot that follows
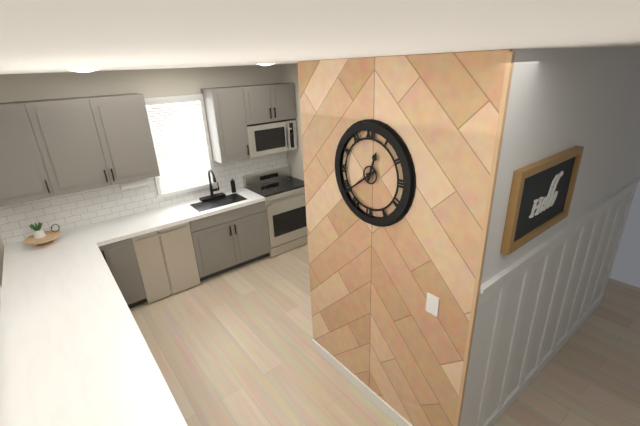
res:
12:39
